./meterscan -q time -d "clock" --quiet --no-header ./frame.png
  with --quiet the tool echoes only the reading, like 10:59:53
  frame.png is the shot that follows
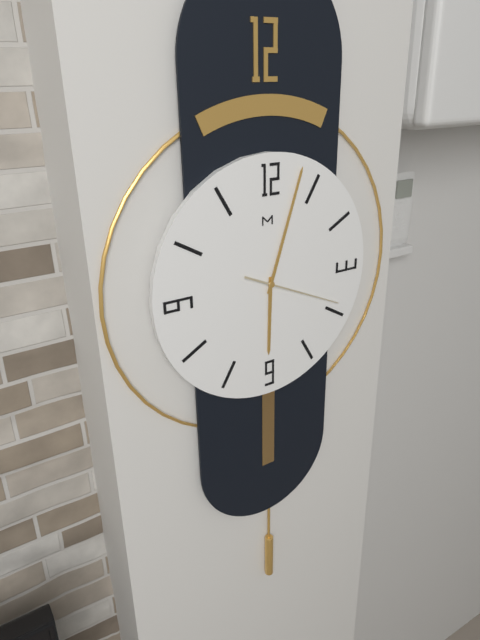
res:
6:03:19
